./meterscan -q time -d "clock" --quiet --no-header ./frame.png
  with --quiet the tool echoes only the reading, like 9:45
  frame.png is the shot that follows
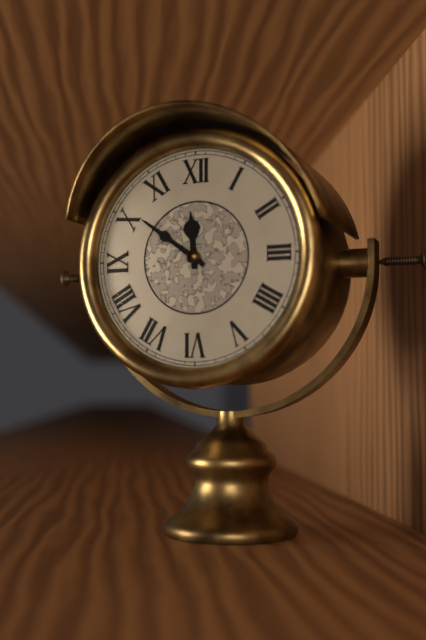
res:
11:51
